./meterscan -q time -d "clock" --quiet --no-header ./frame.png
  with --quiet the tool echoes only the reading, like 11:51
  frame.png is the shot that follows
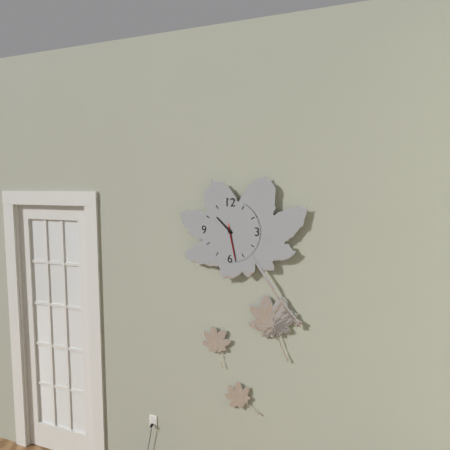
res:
10:28
